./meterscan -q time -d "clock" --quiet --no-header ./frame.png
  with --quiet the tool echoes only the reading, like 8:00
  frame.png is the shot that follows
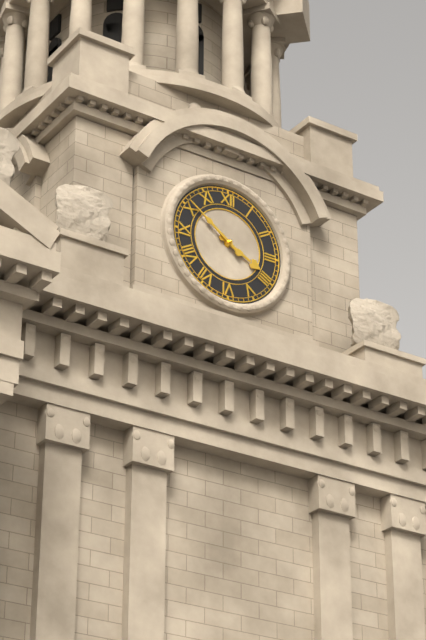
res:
3:51
